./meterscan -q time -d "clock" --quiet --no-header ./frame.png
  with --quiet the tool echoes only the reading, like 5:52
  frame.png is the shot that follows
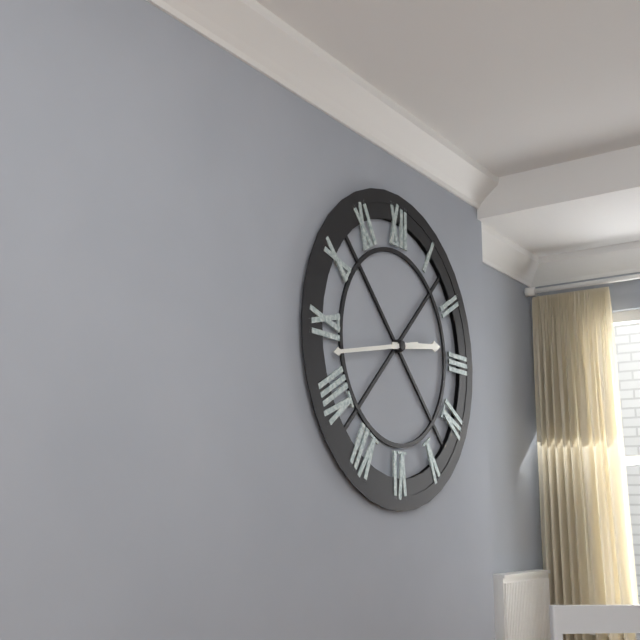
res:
2:43
